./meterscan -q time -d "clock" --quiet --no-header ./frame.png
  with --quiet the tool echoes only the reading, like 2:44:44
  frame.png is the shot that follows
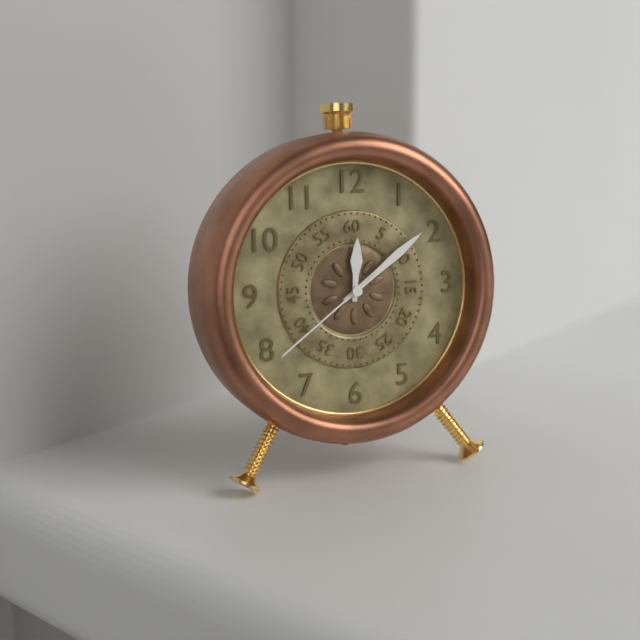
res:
12:09:39
